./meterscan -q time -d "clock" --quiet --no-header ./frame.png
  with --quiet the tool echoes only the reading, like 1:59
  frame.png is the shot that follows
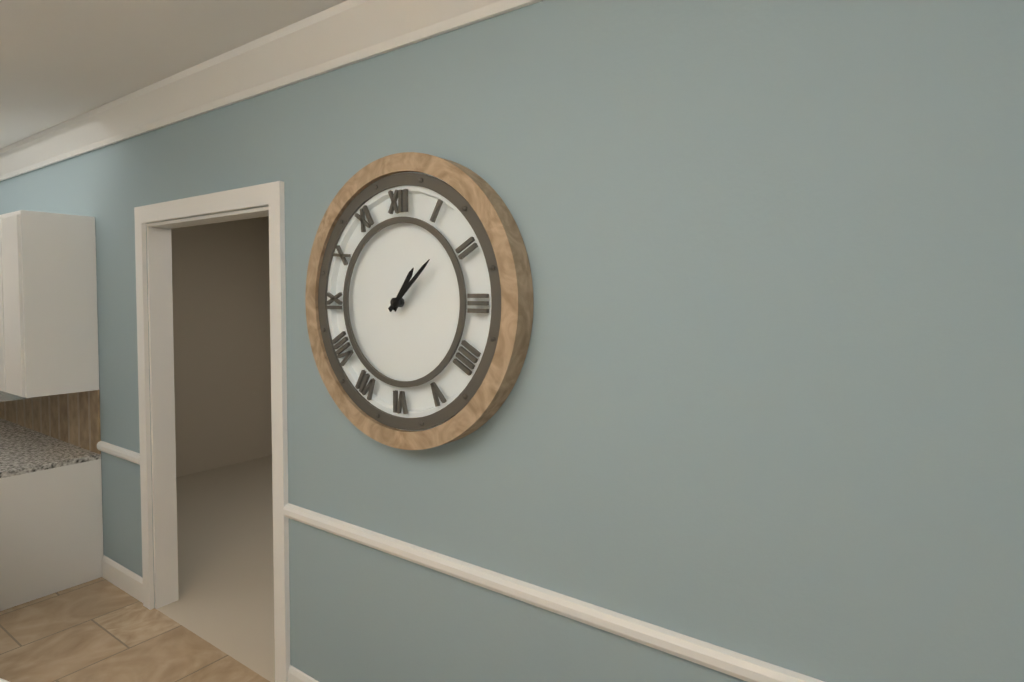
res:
1:08
